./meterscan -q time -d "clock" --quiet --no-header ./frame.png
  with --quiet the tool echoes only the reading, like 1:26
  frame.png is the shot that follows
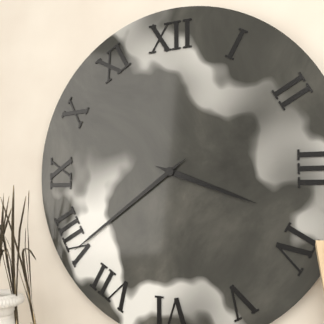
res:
3:39
